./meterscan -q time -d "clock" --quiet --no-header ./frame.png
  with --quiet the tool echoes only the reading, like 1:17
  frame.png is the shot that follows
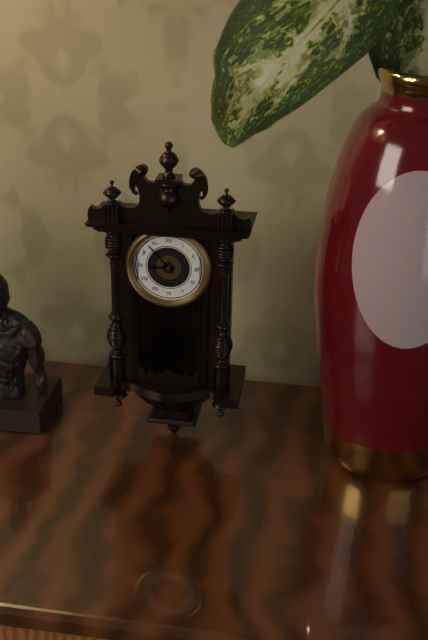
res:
8:53
